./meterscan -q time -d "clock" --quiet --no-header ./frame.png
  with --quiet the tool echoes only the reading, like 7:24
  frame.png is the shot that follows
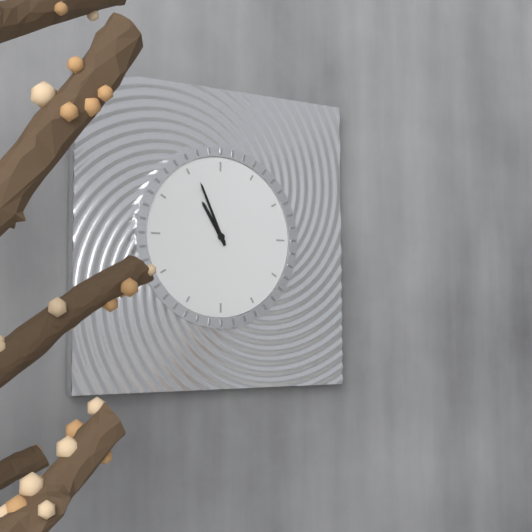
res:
10:56
